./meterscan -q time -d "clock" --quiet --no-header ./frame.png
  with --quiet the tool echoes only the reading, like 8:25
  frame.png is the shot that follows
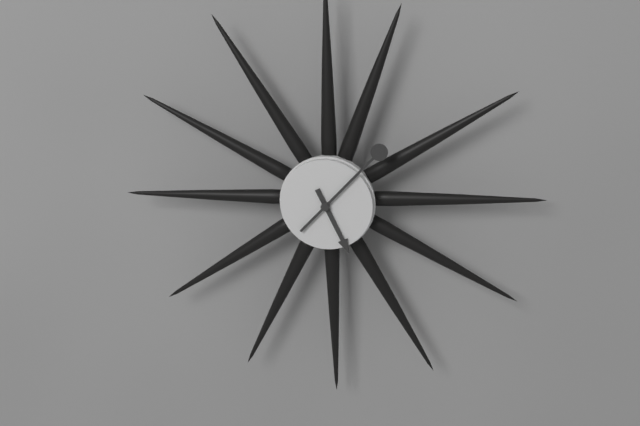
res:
5:07
